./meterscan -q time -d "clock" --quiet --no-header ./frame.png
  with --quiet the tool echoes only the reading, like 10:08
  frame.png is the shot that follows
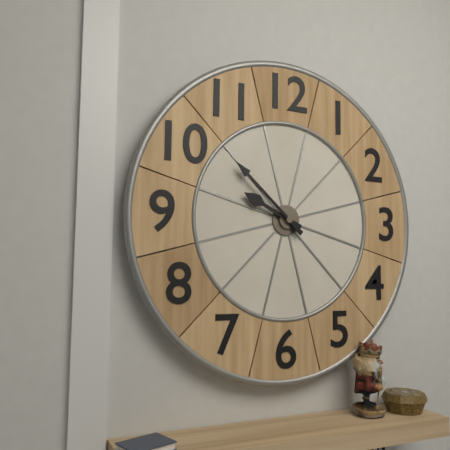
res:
9:52
